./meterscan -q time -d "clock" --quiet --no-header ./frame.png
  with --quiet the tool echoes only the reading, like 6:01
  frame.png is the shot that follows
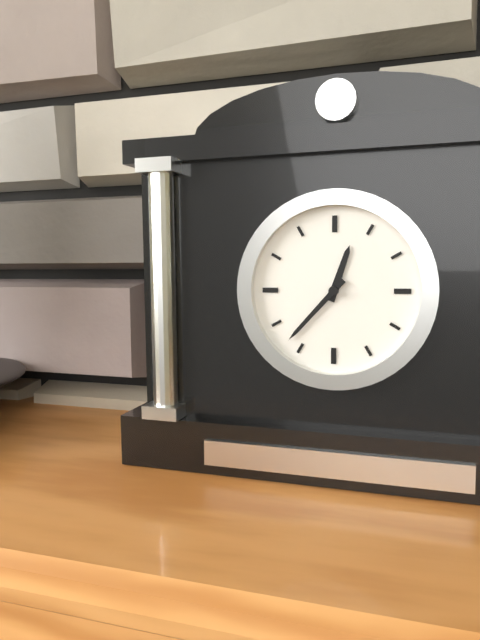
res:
12:37
